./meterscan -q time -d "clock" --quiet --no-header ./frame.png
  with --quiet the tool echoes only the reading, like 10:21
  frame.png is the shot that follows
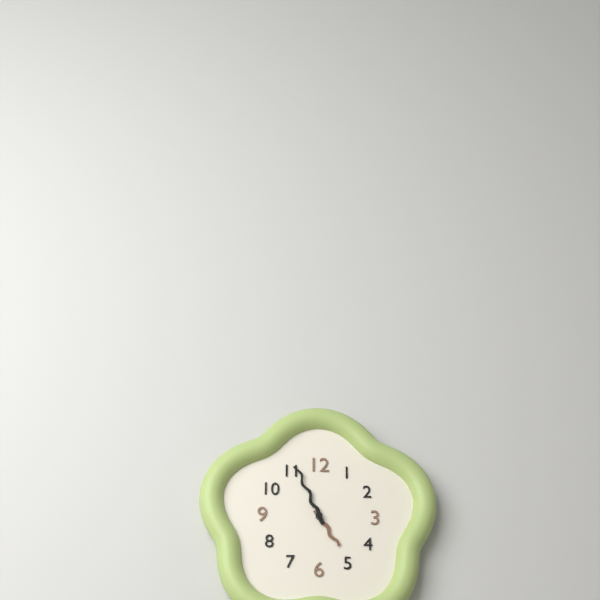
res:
4:56
